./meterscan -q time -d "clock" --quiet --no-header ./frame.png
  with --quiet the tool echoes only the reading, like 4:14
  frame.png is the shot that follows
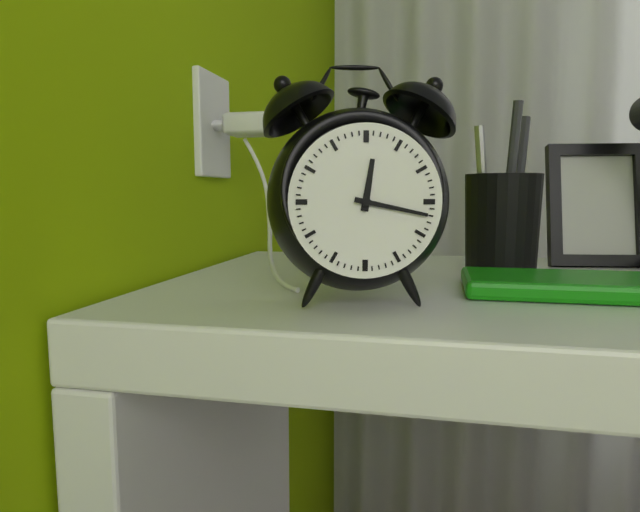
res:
12:17
